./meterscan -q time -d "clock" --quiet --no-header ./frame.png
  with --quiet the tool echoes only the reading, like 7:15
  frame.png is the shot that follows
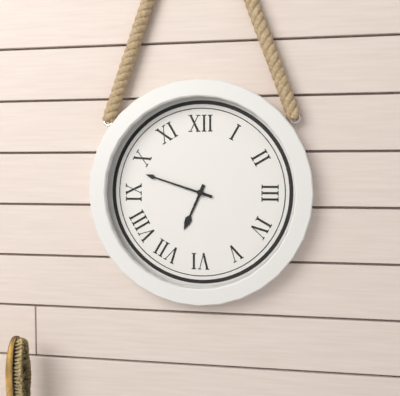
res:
6:48
